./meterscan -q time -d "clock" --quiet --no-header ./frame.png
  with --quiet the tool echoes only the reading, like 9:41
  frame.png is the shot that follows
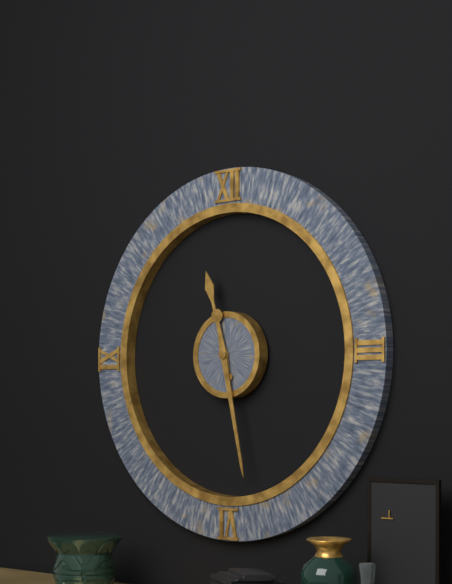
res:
11:28
